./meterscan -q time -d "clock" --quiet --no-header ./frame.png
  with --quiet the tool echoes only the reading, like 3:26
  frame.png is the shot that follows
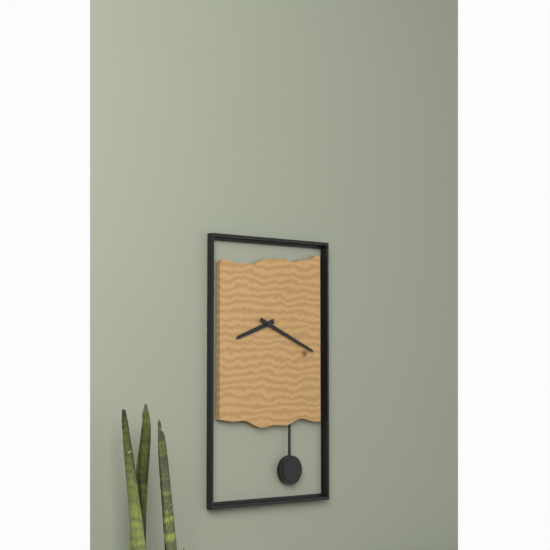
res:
8:19
